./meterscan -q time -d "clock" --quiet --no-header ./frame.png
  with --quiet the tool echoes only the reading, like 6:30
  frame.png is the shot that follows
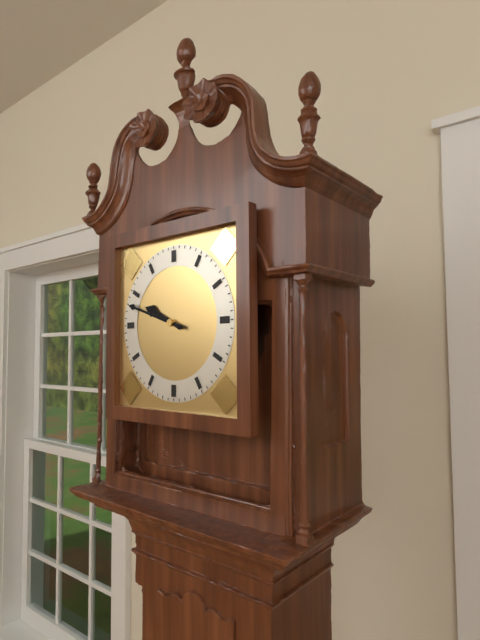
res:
9:48
